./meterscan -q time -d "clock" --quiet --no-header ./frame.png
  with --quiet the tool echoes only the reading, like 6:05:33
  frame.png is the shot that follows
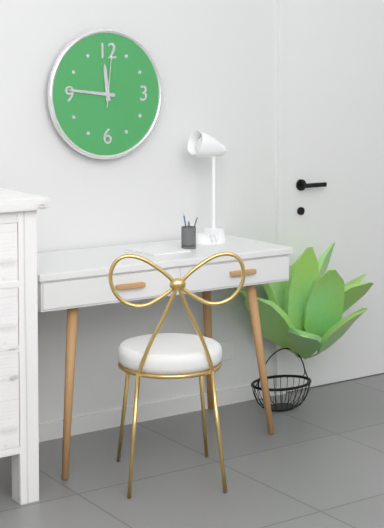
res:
11:46:01
